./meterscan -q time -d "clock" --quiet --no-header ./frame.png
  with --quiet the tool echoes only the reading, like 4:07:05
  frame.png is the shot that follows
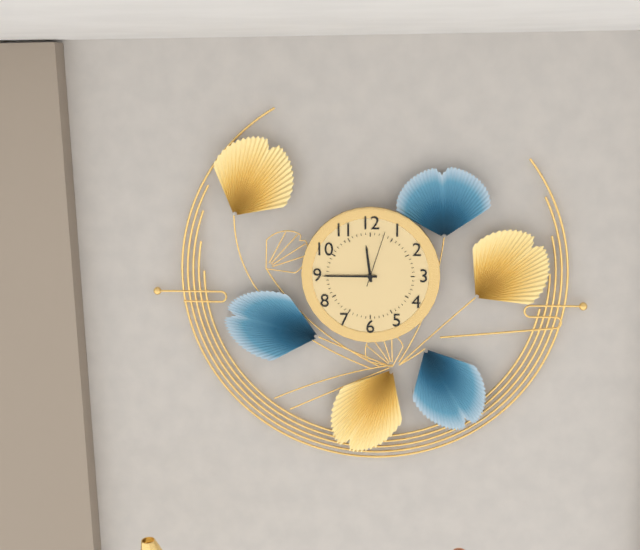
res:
11:45:03
